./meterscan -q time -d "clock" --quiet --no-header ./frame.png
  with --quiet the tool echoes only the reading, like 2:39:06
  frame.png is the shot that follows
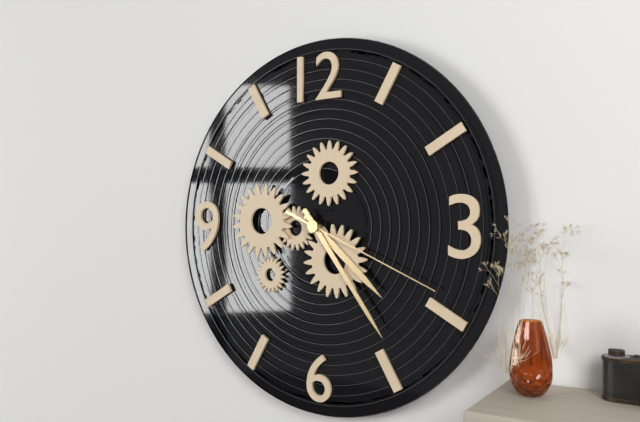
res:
4:24:19
